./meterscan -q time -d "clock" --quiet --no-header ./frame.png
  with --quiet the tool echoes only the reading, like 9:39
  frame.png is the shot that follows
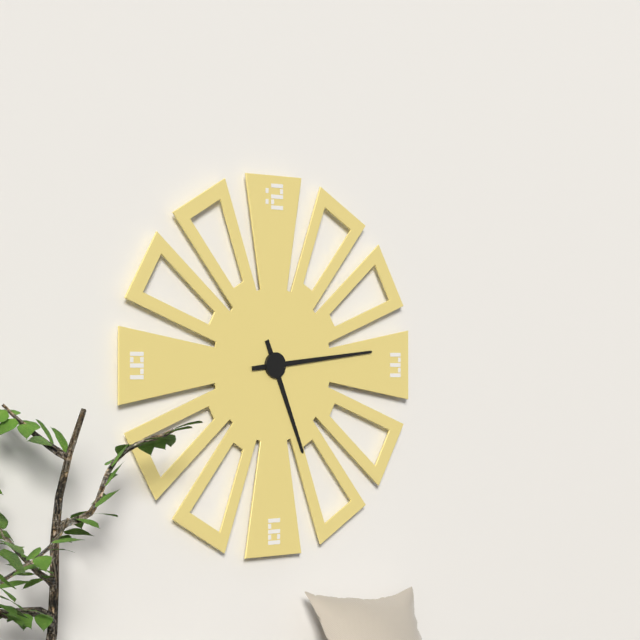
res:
5:14
